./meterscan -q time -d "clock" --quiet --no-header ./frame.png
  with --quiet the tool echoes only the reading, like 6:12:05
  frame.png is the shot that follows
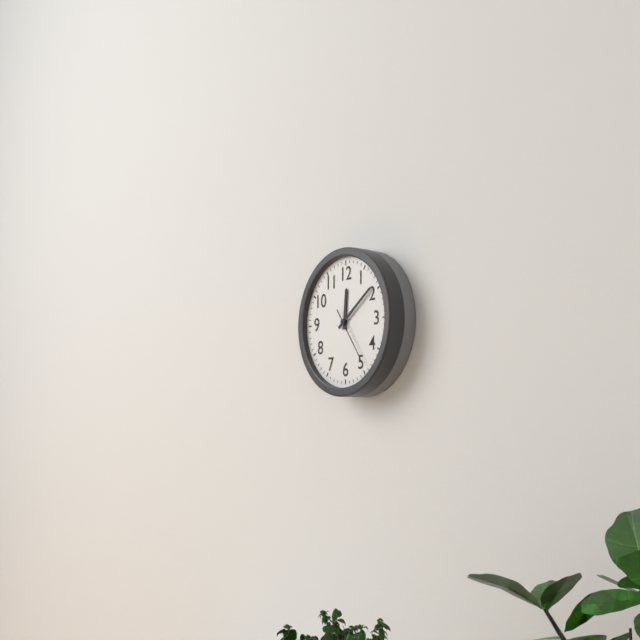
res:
12:09:24
